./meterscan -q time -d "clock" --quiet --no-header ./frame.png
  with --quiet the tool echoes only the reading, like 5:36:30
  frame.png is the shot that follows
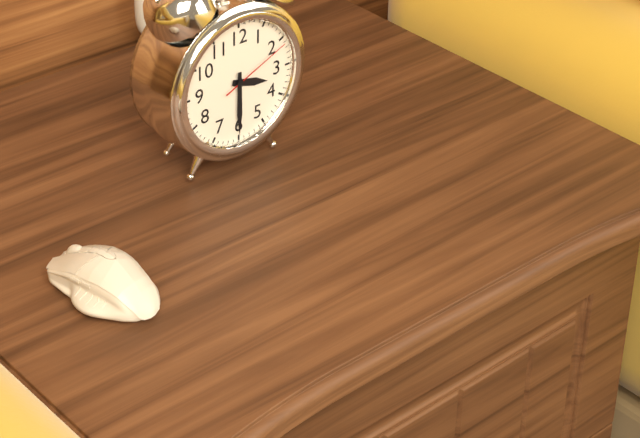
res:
3:30:11
